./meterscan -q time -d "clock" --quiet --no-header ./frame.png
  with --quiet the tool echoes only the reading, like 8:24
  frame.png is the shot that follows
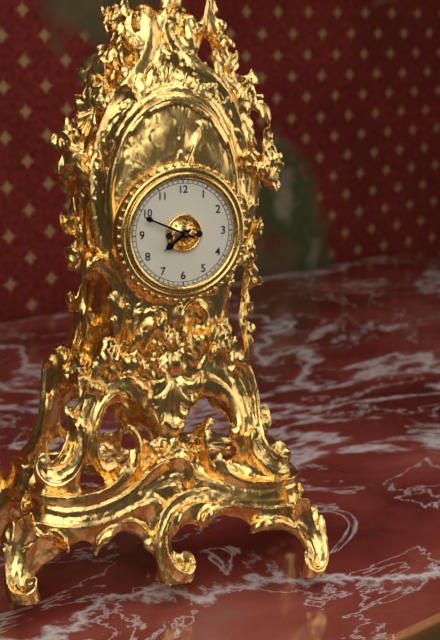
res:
7:49
